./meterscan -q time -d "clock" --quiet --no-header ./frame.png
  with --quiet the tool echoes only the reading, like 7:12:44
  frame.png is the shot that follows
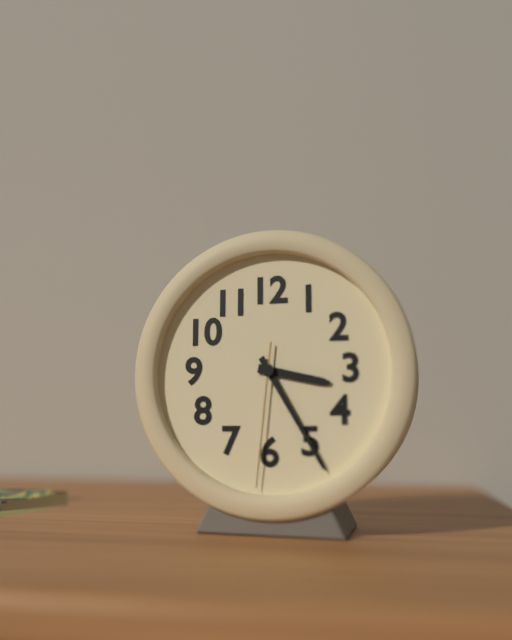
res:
3:25:31
